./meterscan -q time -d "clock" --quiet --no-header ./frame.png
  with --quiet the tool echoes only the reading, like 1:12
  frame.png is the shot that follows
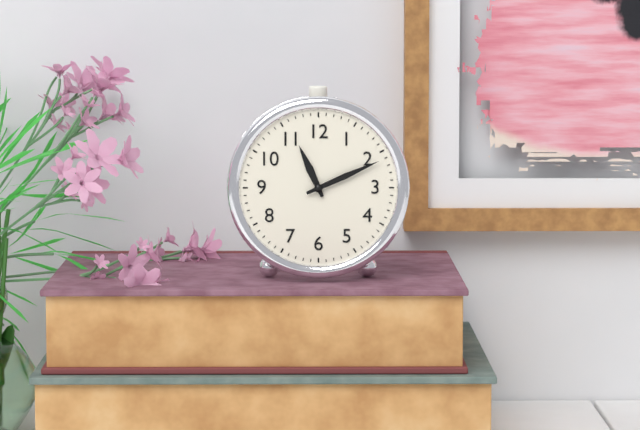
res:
11:11
